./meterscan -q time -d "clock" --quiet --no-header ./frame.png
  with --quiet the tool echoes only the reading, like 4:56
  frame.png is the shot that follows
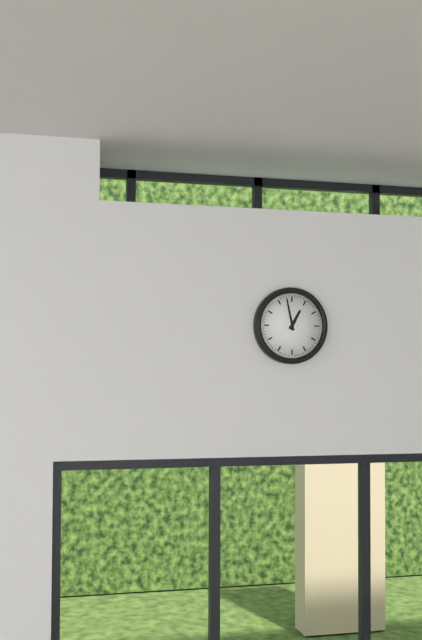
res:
12:58
